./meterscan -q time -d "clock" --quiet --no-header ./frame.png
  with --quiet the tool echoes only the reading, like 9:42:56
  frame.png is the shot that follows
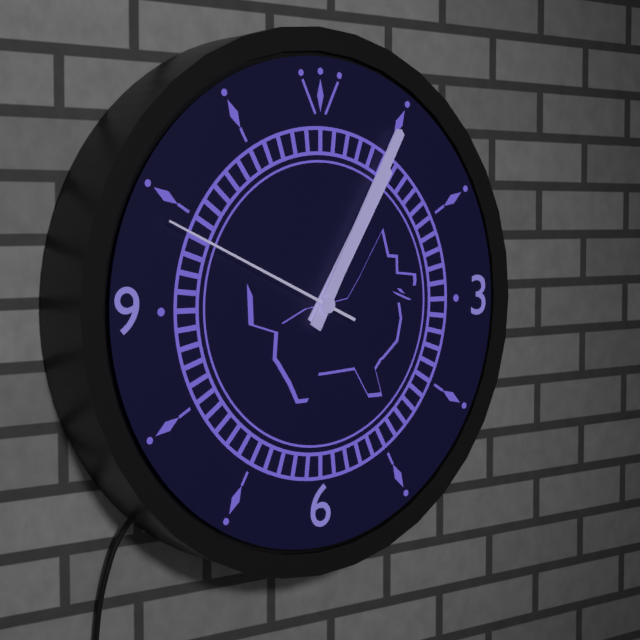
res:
1:05:49
